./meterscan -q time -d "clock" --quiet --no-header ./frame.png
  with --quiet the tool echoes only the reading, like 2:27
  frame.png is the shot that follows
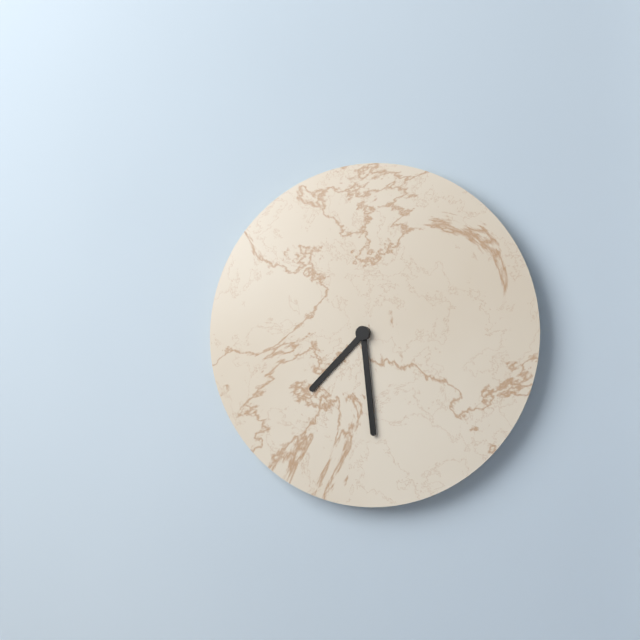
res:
7:29
